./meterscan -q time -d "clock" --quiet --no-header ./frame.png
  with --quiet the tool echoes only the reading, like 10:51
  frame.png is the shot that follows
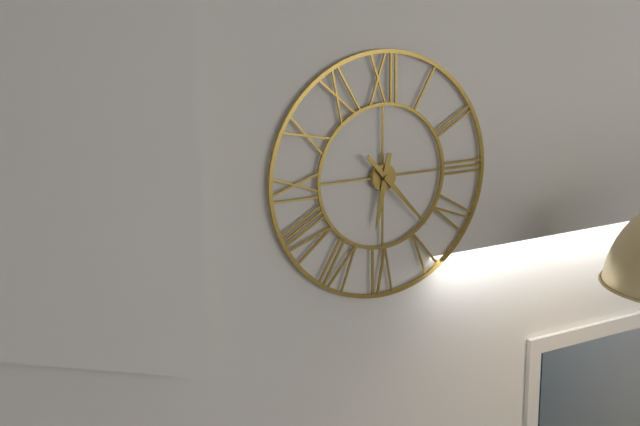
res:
6:23
